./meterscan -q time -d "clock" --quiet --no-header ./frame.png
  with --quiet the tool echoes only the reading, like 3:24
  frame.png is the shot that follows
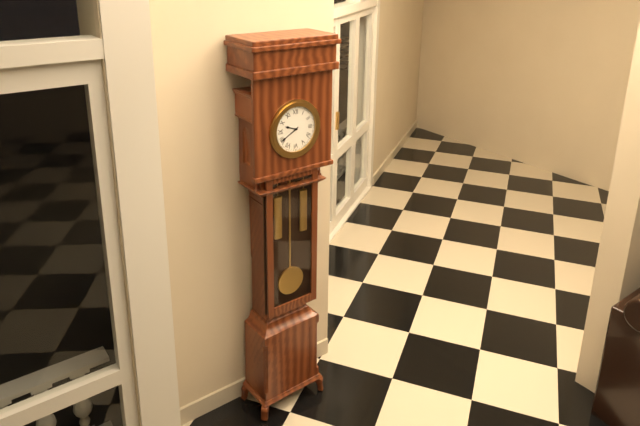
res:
9:40
